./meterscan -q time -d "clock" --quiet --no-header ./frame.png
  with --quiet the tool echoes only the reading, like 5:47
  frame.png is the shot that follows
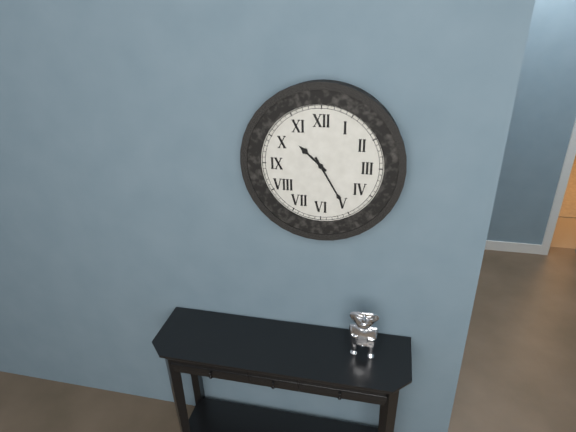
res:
10:25
